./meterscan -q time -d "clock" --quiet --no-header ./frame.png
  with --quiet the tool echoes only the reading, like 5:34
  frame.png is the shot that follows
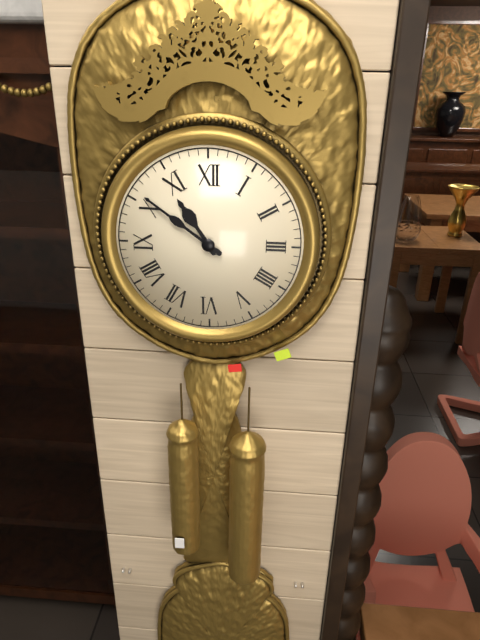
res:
10:51
